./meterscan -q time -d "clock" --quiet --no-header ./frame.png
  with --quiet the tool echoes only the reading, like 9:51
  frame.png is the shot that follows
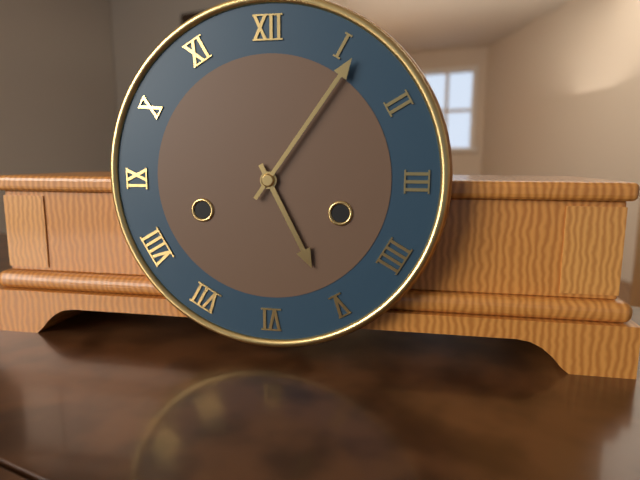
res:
5:06
